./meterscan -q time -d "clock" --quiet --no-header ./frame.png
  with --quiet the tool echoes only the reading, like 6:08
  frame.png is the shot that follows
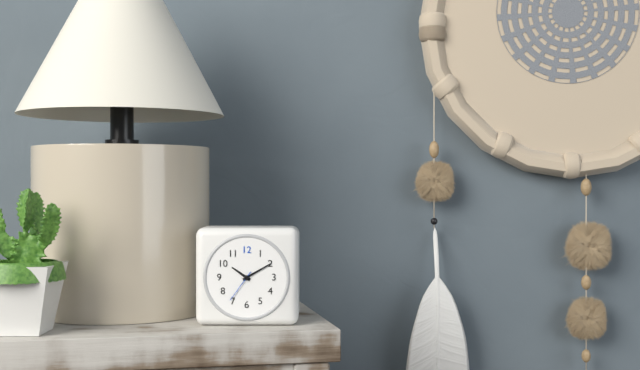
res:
10:10
